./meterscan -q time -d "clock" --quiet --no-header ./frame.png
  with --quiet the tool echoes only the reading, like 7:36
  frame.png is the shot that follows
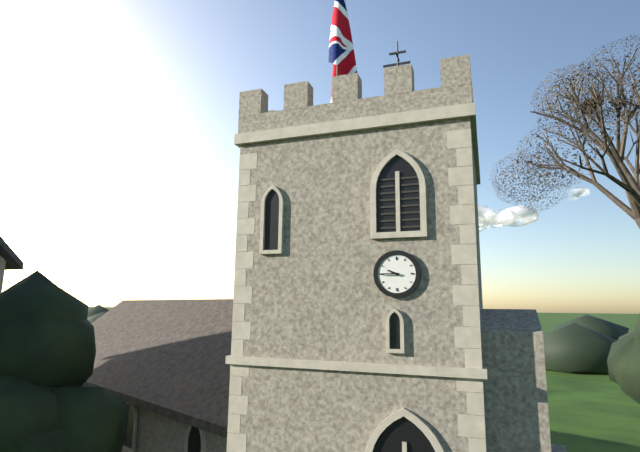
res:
9:45
